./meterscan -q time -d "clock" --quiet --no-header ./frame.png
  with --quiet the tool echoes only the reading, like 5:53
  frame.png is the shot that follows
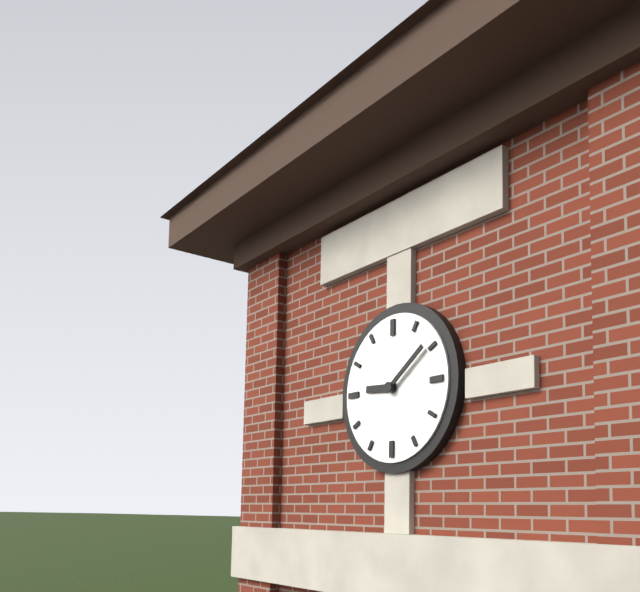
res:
9:09
